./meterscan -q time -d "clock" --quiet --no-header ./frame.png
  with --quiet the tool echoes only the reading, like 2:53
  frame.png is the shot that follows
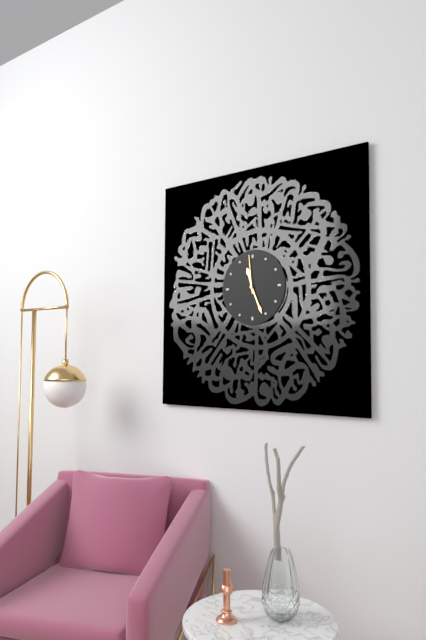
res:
11:26
